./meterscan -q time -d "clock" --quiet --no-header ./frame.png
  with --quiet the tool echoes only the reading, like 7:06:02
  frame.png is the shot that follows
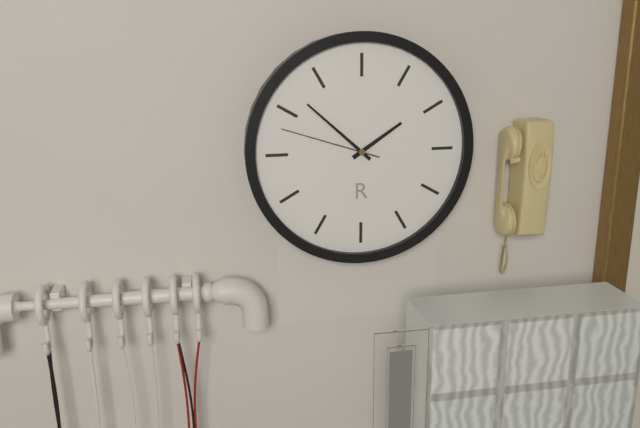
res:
1:52:48
